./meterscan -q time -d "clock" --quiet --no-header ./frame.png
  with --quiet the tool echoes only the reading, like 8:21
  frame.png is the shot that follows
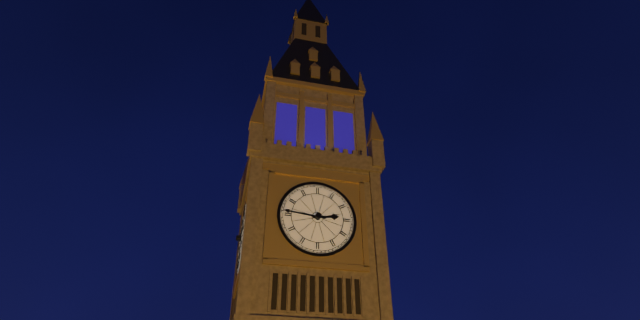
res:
2:46
